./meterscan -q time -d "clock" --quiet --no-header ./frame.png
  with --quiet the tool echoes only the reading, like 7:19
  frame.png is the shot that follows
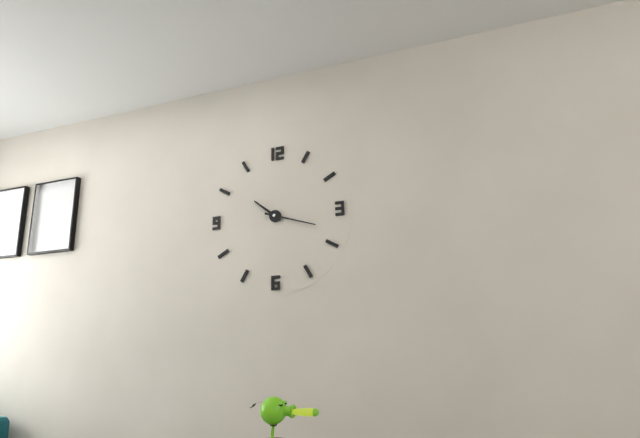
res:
10:18
